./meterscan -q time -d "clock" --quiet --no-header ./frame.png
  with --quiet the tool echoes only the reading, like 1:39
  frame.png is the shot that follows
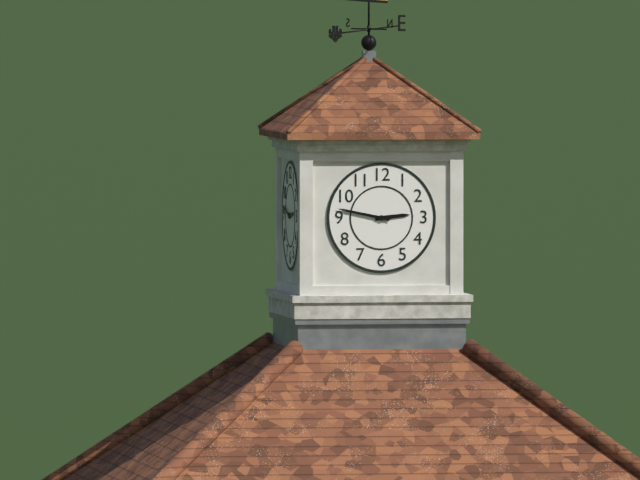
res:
2:47
